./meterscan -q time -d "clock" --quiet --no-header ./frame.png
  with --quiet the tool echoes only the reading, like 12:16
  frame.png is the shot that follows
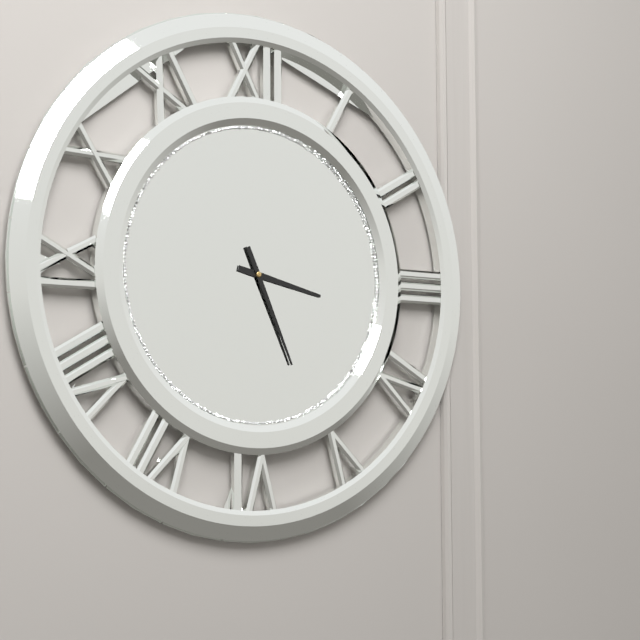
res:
3:26
